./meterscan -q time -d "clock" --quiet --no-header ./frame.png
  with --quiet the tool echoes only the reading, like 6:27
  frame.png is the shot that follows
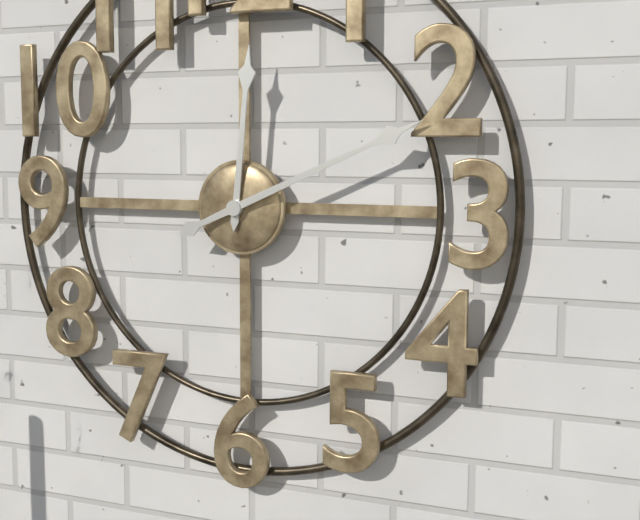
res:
12:11
